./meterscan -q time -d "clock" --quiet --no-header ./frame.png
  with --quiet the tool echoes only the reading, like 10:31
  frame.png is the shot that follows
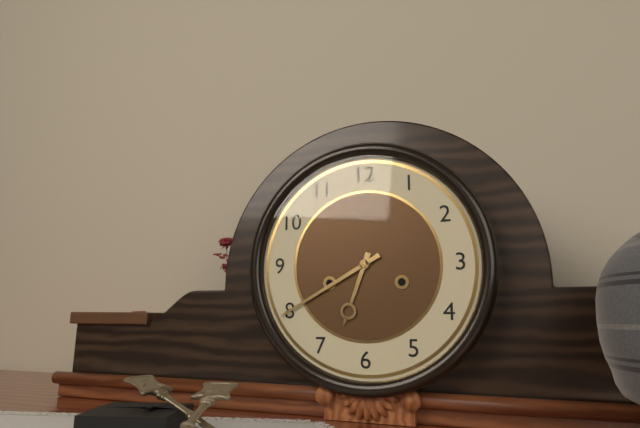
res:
6:40
